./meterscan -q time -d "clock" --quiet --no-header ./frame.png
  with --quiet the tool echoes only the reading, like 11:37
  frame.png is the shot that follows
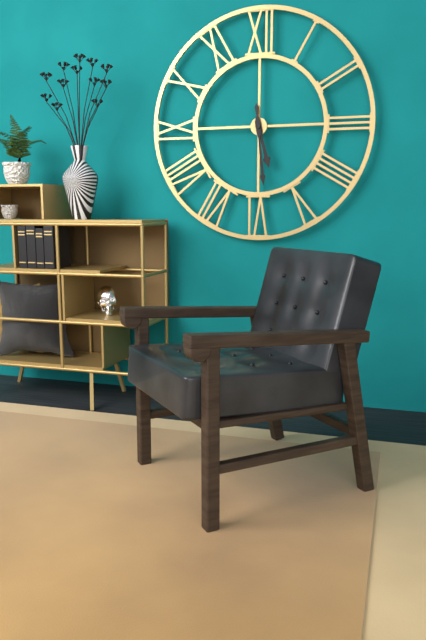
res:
5:29
